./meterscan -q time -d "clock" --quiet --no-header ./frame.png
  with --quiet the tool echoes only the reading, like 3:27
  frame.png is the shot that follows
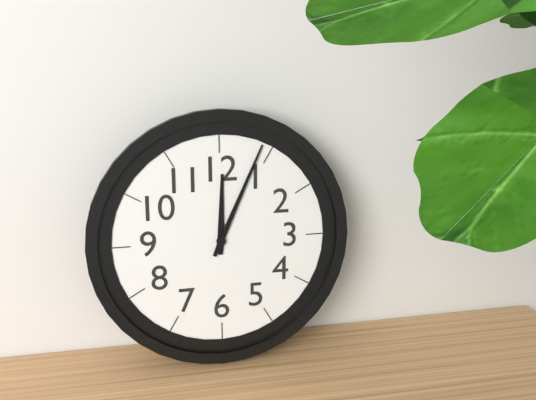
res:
12:04
